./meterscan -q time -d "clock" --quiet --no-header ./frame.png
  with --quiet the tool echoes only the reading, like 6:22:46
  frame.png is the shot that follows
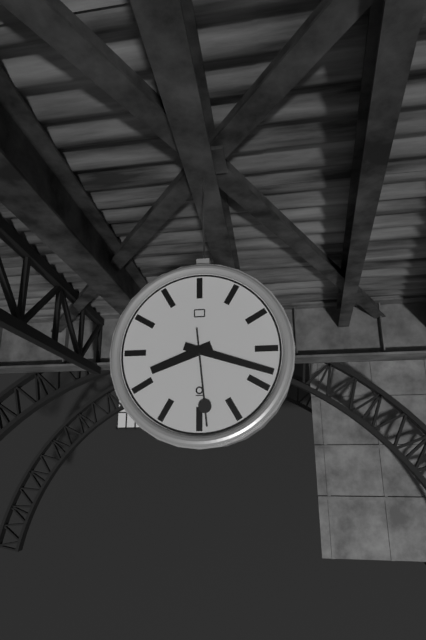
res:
8:18:29
